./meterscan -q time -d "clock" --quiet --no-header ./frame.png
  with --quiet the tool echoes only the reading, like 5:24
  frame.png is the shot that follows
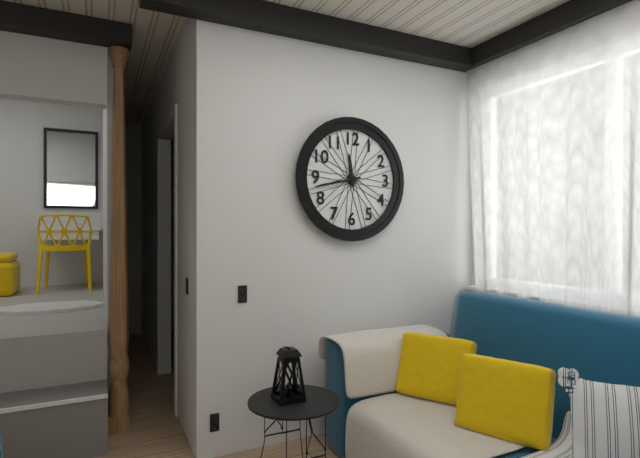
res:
11:43
